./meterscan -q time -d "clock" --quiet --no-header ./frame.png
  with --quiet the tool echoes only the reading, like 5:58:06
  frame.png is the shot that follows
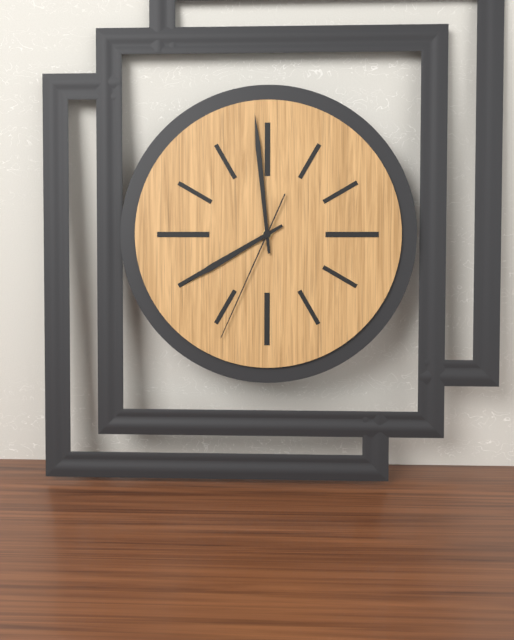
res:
7:59:34
